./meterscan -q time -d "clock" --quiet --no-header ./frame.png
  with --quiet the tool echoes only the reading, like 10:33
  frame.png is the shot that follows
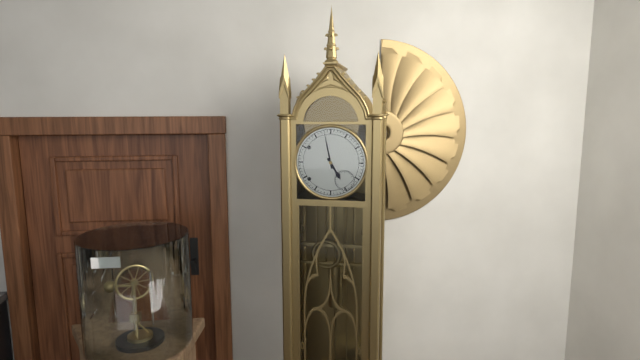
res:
4:58
